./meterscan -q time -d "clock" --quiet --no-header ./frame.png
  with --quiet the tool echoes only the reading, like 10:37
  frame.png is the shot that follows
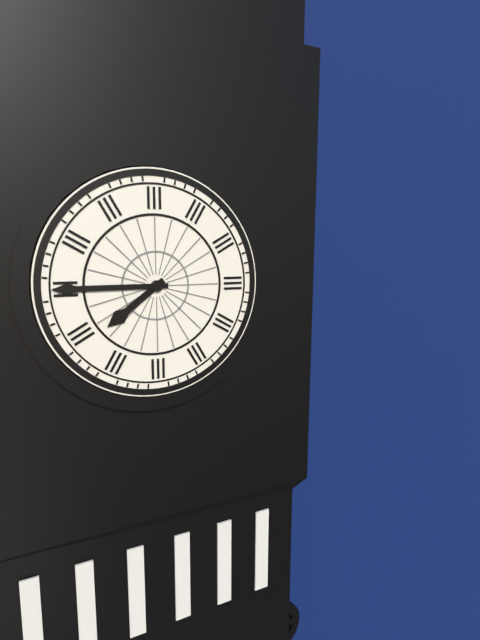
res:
7:45
